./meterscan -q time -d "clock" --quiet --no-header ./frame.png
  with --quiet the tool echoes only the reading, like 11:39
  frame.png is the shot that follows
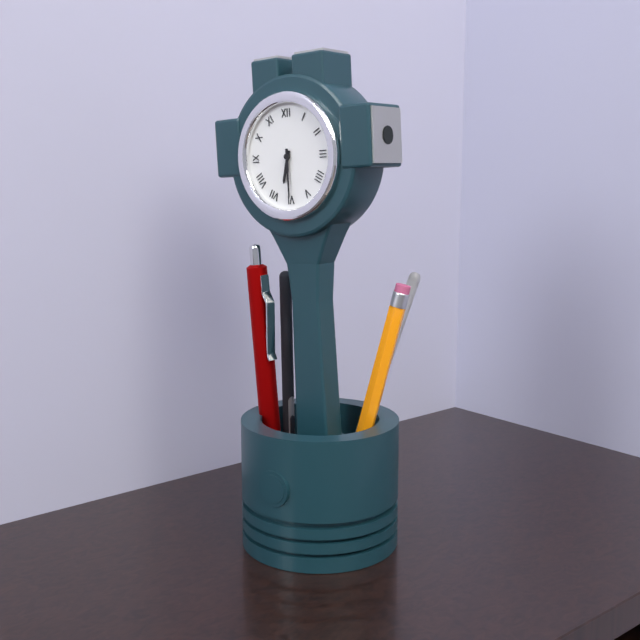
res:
6:30
